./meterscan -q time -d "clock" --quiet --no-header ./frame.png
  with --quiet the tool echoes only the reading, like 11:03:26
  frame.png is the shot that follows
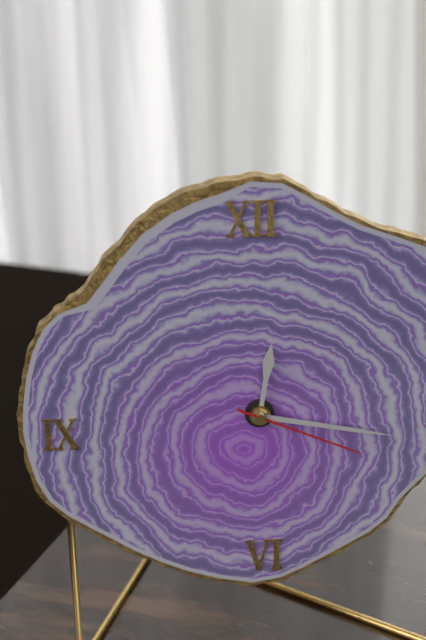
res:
12:17:19
